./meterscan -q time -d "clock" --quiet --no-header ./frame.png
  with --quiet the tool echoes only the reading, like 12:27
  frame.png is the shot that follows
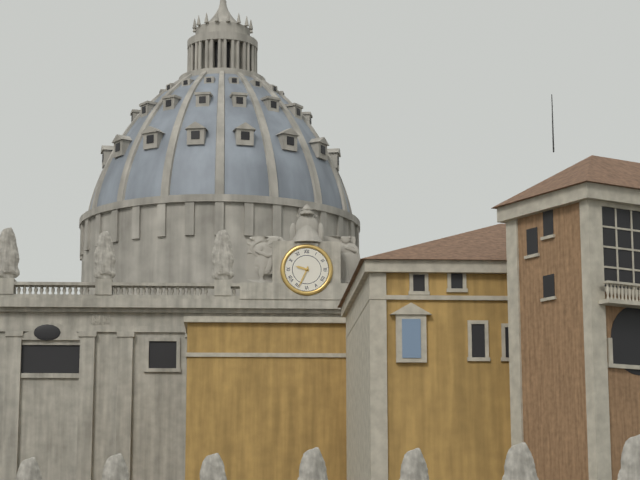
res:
9:34
